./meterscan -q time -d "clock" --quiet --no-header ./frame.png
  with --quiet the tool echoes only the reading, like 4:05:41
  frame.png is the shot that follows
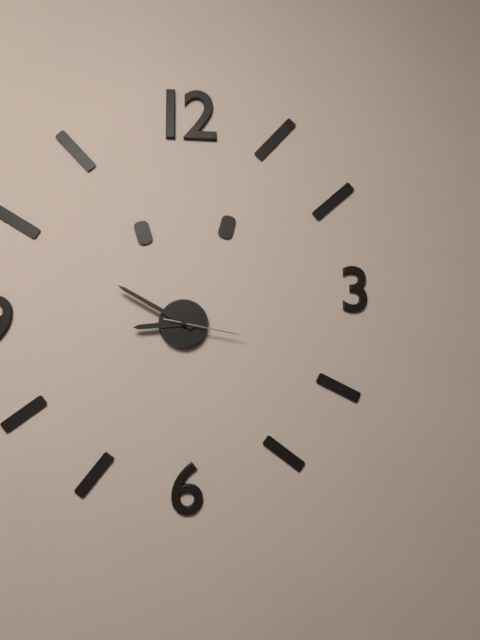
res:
8:50:17
